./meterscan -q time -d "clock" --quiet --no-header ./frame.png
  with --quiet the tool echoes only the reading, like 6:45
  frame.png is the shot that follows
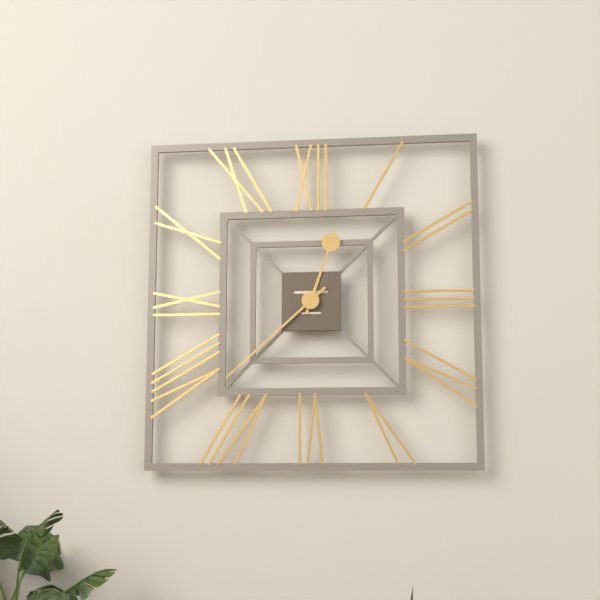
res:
12:38
